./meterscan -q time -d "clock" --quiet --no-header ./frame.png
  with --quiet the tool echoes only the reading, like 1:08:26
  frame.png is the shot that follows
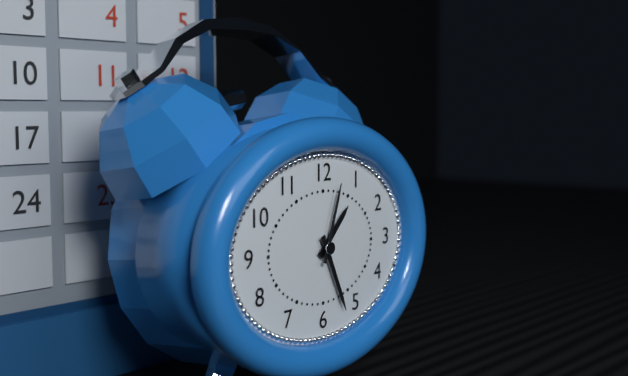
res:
1:26:03
